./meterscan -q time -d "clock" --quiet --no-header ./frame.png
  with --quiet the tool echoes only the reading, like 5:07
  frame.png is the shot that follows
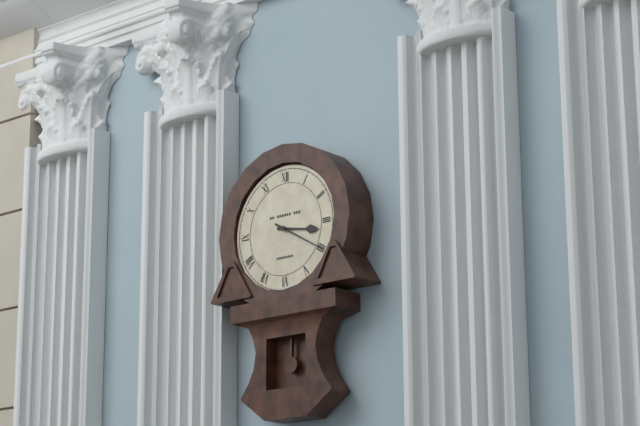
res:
3:20
